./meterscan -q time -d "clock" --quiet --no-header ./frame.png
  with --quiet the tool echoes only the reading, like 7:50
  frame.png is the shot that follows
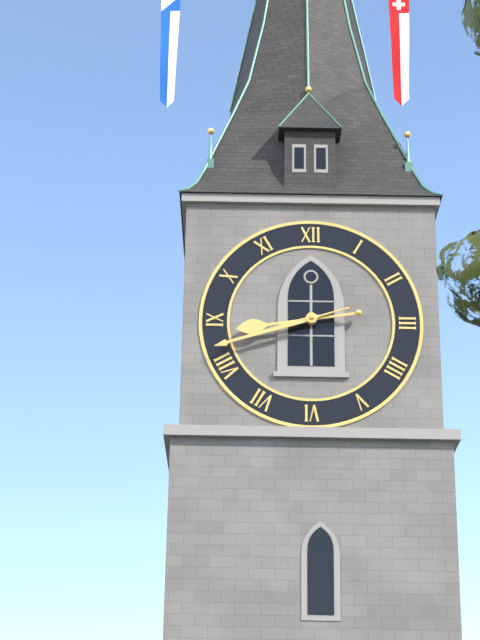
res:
8:42
